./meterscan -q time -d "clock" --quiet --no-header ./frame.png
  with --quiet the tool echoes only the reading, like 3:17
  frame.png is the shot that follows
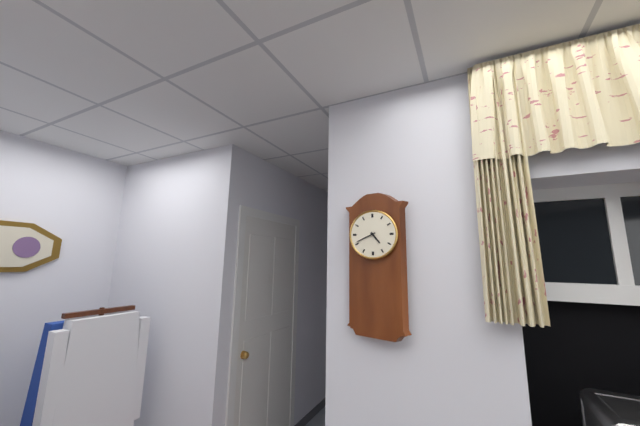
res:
4:41
